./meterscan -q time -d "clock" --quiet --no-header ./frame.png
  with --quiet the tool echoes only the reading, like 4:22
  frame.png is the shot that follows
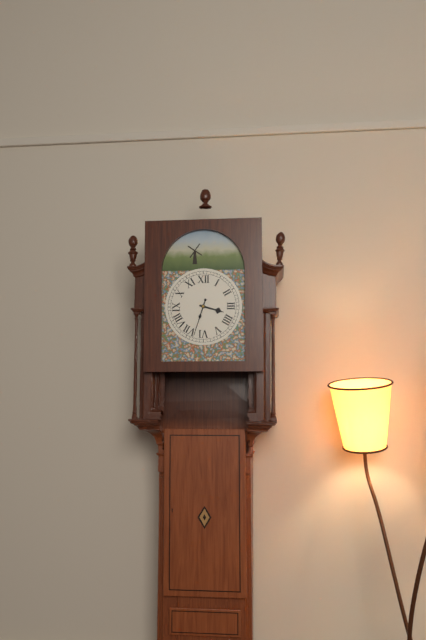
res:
3:33
